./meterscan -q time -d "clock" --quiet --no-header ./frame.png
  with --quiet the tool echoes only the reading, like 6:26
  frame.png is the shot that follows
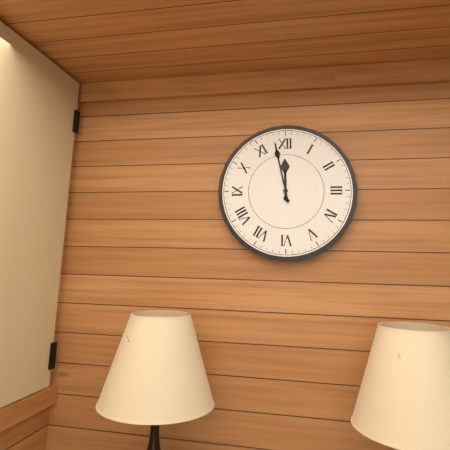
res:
11:58
